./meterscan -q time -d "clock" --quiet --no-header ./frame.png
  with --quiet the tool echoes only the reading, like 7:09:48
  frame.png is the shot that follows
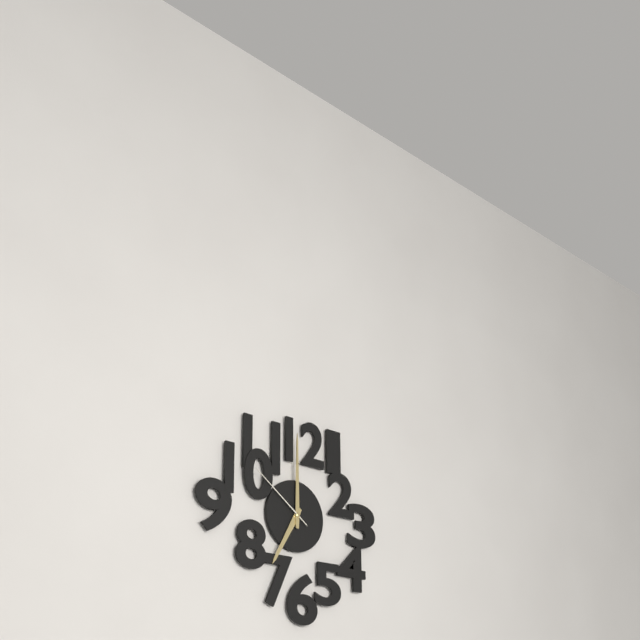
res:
7:00:51
